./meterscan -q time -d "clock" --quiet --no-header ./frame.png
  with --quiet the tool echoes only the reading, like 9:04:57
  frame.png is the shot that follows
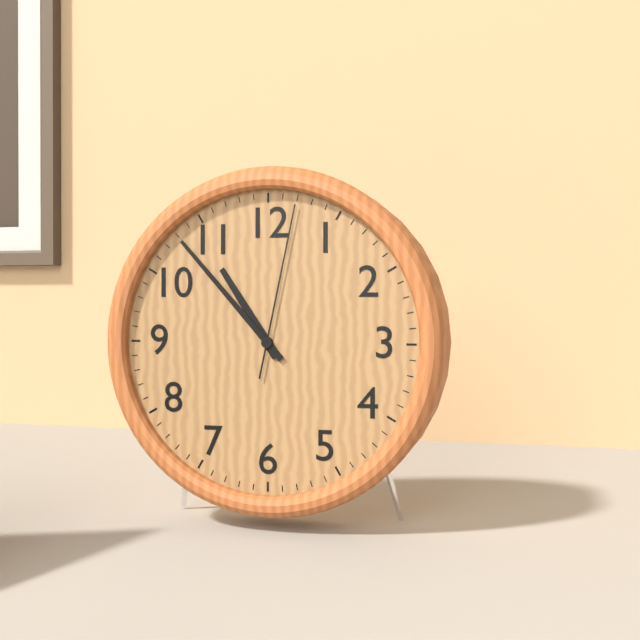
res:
10:53:02
